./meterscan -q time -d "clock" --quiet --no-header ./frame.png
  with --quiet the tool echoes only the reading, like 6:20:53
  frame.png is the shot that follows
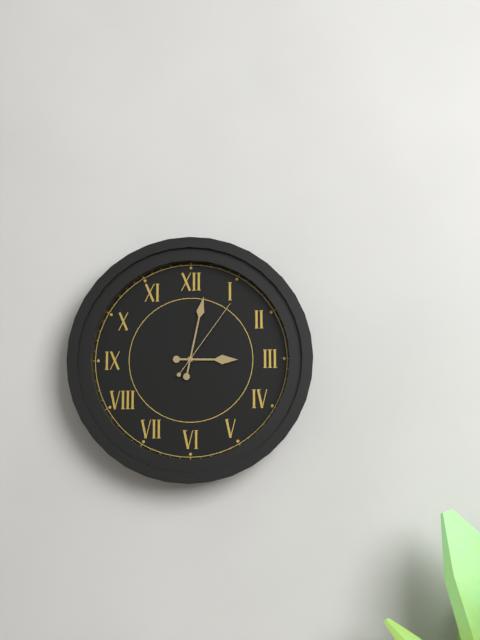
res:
3:02:06
